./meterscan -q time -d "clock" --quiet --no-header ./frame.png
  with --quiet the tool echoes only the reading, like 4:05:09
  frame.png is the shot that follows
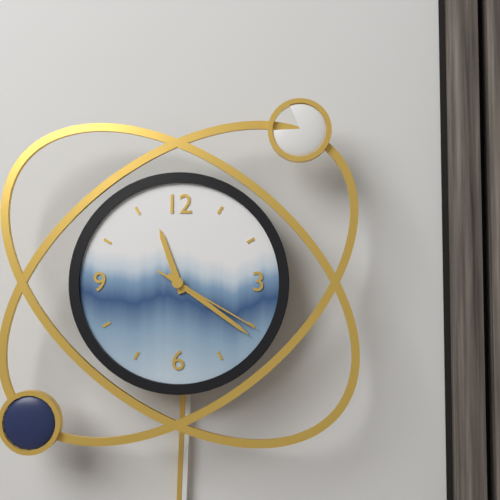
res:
11:21:20
